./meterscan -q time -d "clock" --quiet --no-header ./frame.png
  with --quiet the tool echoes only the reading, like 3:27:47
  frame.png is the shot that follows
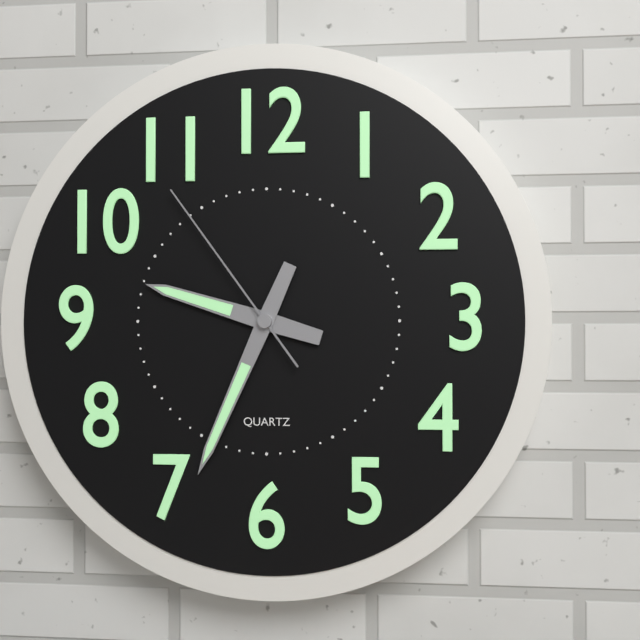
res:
9:34:54
